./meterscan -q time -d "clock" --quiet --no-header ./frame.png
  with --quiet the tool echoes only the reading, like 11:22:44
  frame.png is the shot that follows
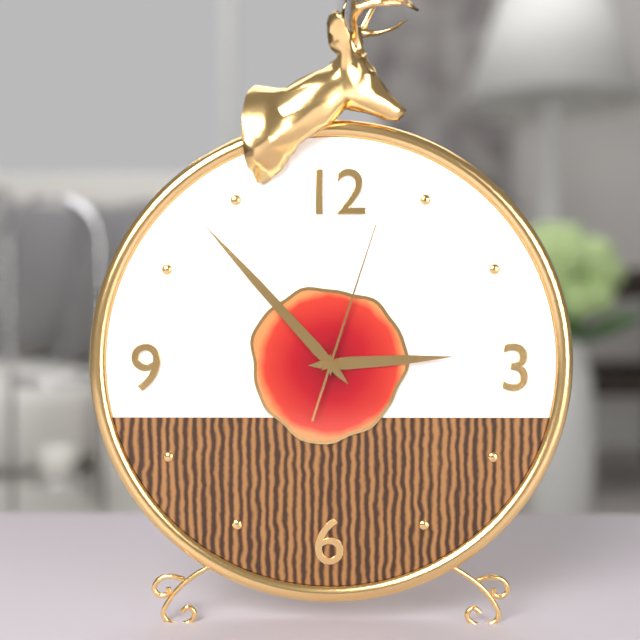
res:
2:53:03
